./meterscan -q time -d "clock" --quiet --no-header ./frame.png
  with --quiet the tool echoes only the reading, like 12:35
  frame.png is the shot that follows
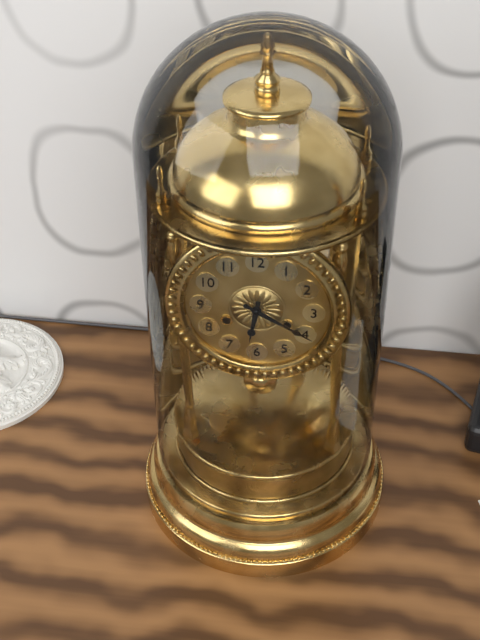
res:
6:20
